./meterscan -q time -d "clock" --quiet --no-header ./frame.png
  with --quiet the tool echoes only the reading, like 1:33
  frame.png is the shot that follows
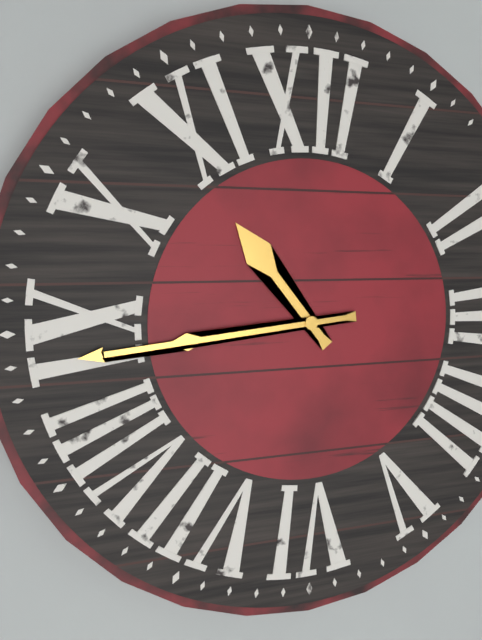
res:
10:44
